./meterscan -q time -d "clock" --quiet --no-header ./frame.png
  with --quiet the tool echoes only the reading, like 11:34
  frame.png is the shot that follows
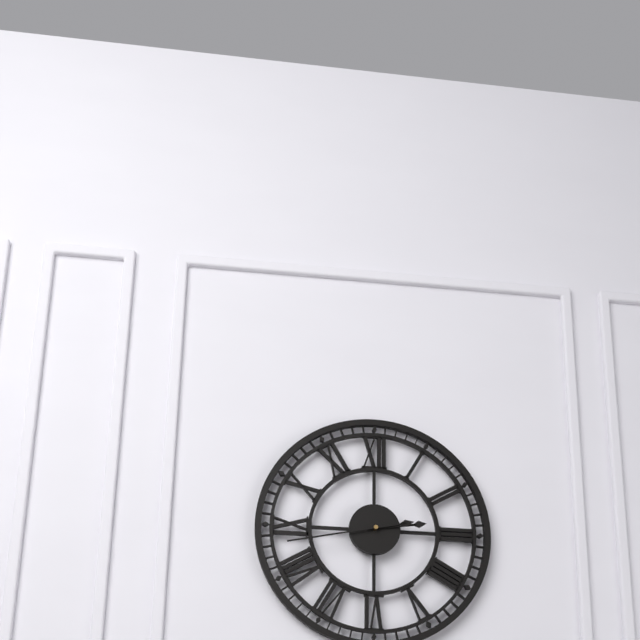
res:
2:43
